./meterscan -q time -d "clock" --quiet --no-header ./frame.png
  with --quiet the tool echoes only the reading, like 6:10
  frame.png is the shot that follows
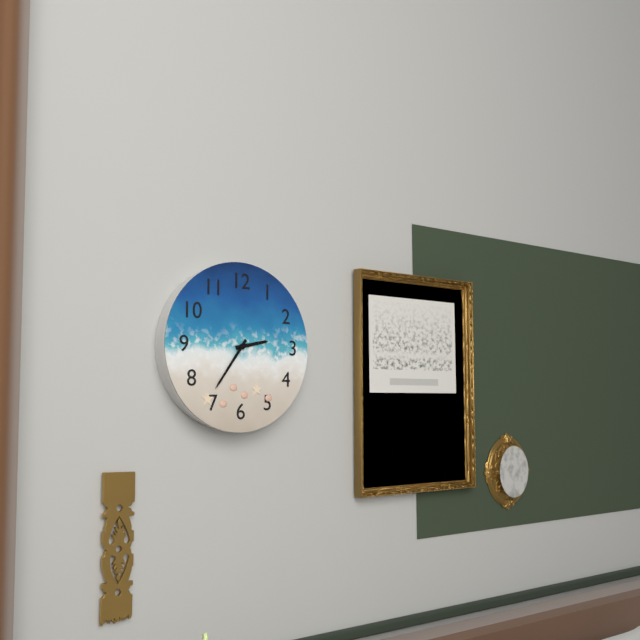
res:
2:36
